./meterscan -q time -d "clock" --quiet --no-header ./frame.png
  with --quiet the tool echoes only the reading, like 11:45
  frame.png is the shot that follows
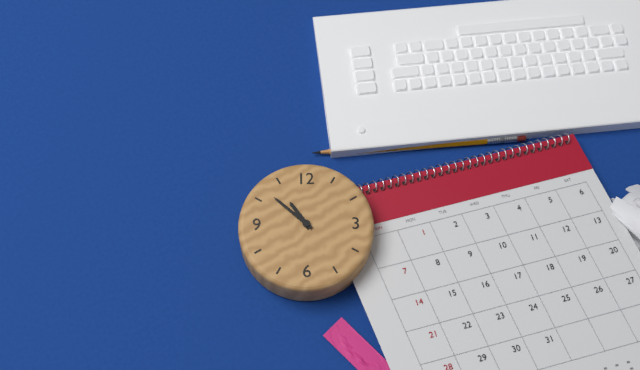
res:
10:52
